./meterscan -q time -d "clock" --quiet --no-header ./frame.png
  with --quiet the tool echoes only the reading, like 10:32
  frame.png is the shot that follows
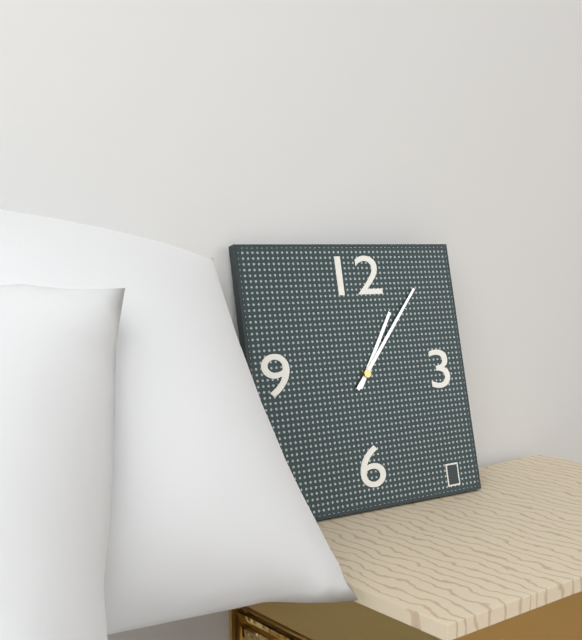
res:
1:07
